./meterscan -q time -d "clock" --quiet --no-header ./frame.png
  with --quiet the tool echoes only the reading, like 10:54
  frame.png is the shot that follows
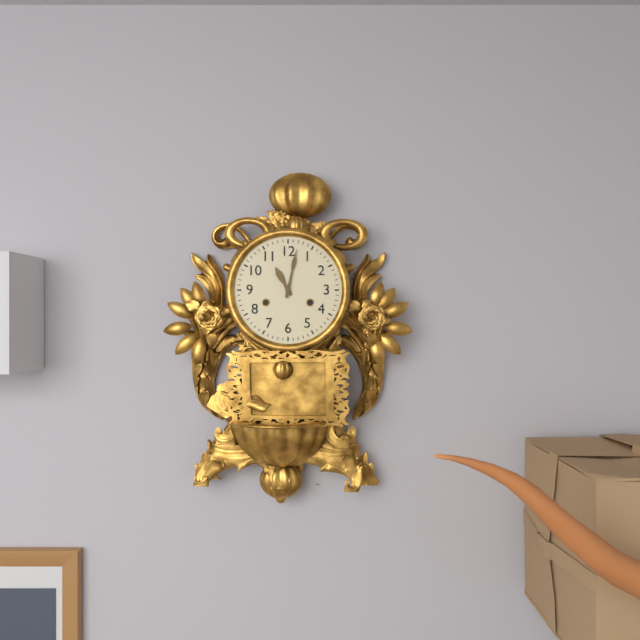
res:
11:02
